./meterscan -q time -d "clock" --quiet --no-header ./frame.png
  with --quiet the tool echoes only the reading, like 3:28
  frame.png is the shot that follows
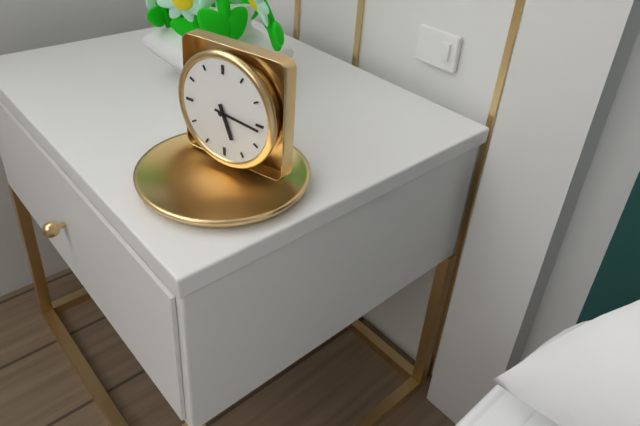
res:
5:16
